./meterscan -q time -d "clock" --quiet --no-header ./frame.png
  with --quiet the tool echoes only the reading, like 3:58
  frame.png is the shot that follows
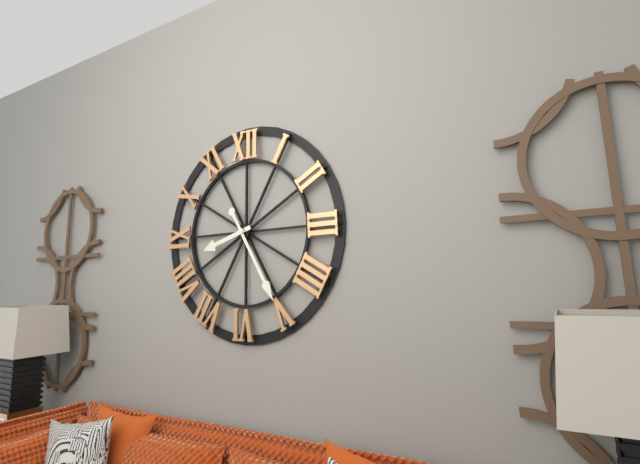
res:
8:25
